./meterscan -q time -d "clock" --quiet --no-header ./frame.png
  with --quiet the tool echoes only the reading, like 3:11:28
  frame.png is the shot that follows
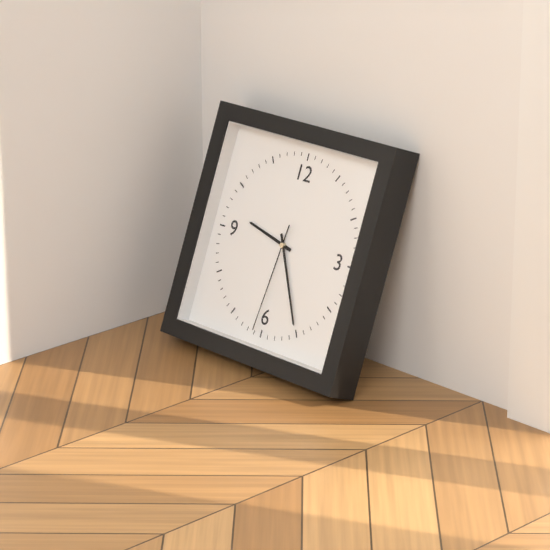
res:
9:25:31
